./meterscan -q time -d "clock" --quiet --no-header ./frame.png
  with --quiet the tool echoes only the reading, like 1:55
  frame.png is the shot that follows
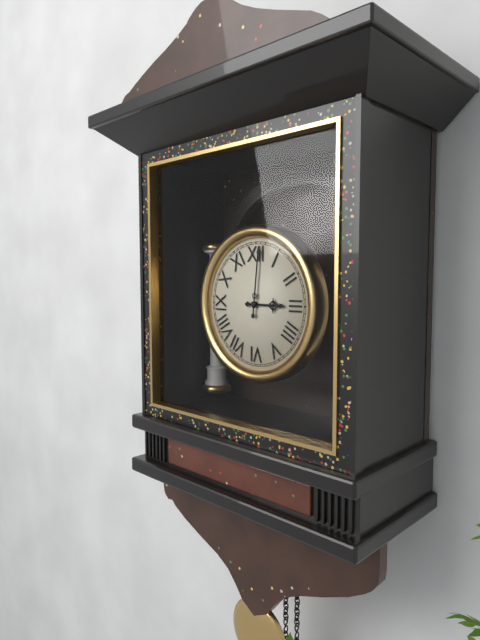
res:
3:01
